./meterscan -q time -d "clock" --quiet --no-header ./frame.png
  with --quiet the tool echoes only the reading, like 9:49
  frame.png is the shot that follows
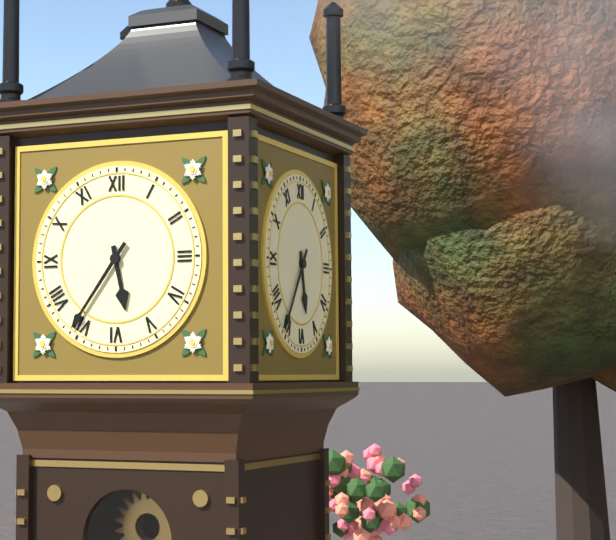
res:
5:36
